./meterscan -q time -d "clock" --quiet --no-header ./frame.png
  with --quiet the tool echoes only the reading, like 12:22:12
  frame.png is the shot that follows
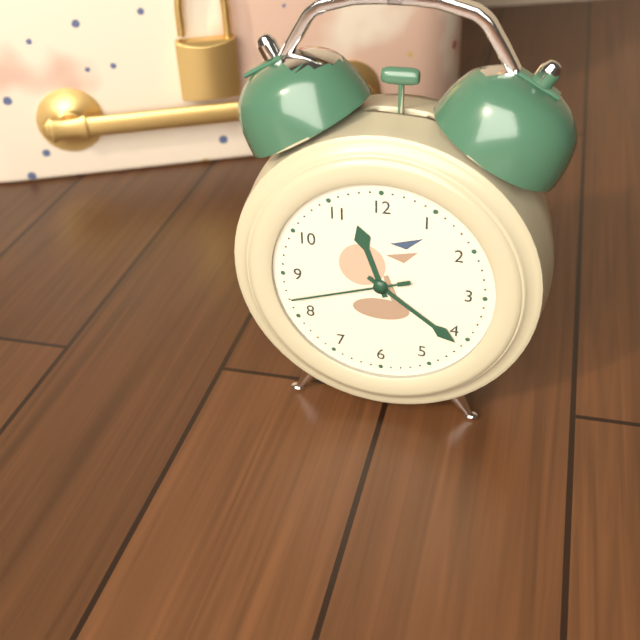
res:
11:21:42
